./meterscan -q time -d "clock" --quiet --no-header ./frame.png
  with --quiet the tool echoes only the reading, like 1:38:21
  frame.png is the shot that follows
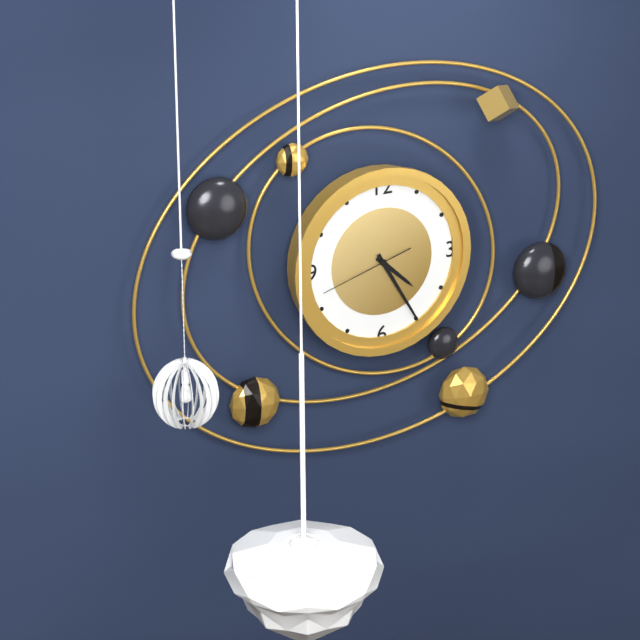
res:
4:25:42
